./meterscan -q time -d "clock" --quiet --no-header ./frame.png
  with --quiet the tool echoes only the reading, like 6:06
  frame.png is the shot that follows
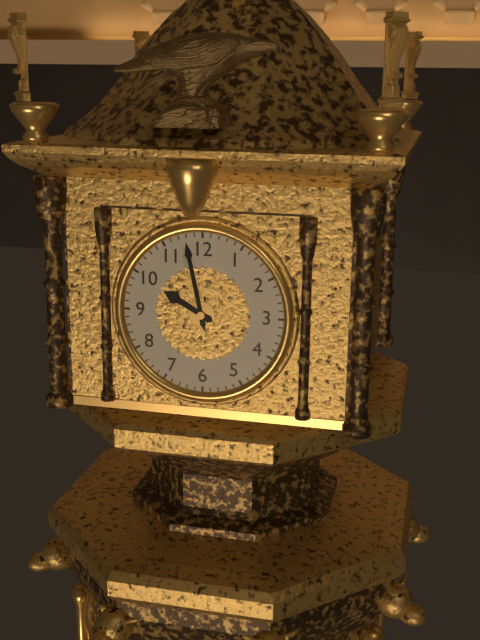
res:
9:58
